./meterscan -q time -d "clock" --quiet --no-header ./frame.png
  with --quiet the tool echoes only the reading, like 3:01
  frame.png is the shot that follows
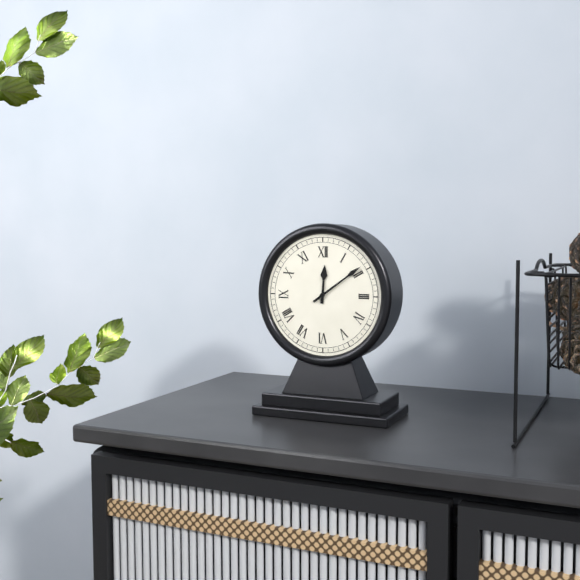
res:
12:09
